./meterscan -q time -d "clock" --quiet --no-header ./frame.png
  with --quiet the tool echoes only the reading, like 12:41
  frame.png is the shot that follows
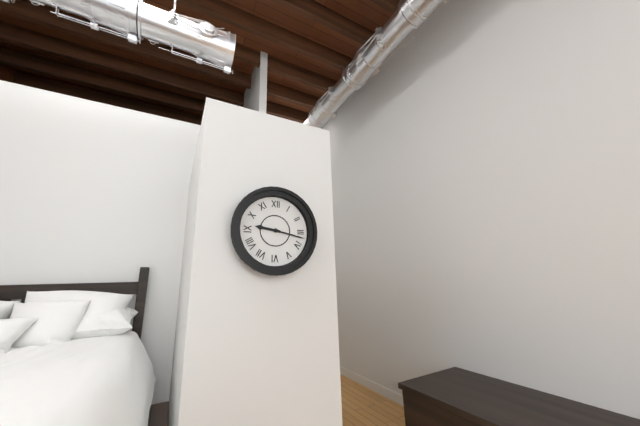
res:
9:17
